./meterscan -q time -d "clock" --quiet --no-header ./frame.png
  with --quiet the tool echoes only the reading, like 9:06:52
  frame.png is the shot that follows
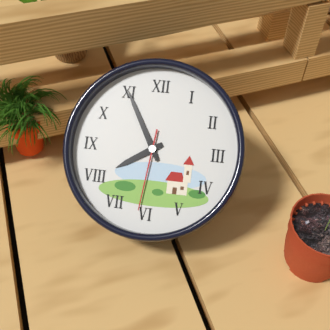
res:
7:55:31
